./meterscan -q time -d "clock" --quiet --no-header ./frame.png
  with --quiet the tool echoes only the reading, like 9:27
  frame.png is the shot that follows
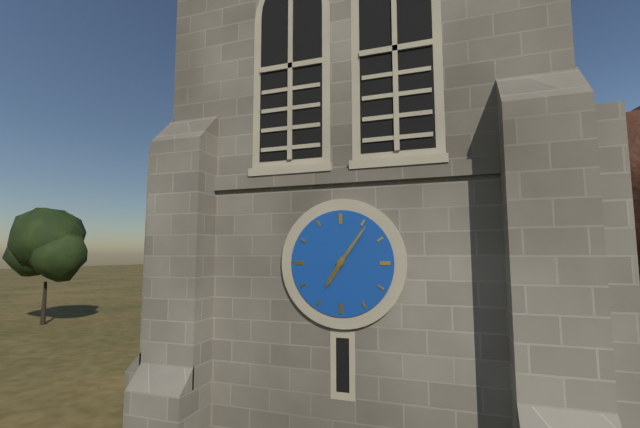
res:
7:06
